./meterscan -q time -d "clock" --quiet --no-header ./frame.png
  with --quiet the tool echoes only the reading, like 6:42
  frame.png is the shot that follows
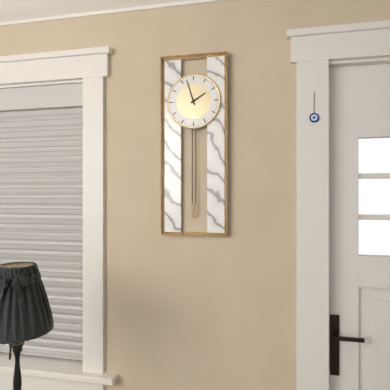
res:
1:57
